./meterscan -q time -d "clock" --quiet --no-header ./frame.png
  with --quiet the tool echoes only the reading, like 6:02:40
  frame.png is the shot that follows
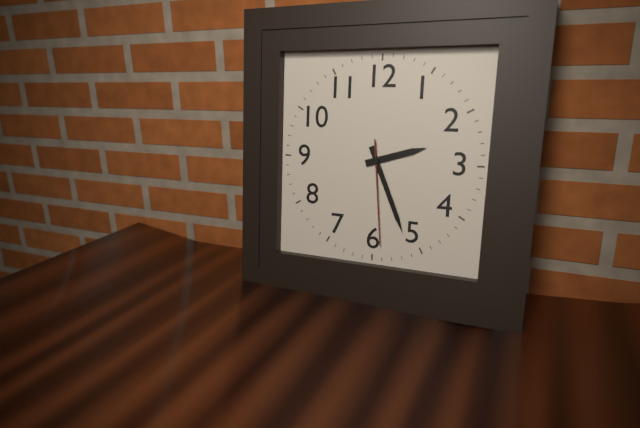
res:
2:26:29
